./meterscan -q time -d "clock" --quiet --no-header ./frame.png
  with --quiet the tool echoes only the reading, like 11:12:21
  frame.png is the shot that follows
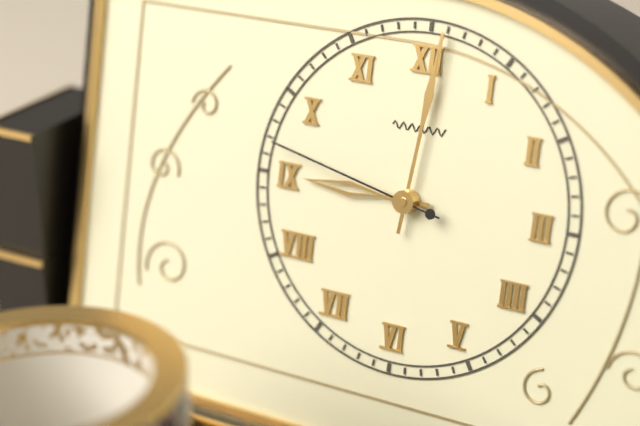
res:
9:01:47
